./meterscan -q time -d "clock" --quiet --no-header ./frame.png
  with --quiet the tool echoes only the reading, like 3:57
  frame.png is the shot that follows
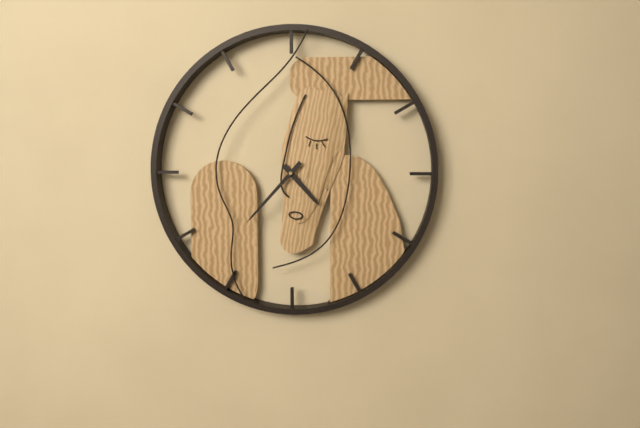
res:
4:37
